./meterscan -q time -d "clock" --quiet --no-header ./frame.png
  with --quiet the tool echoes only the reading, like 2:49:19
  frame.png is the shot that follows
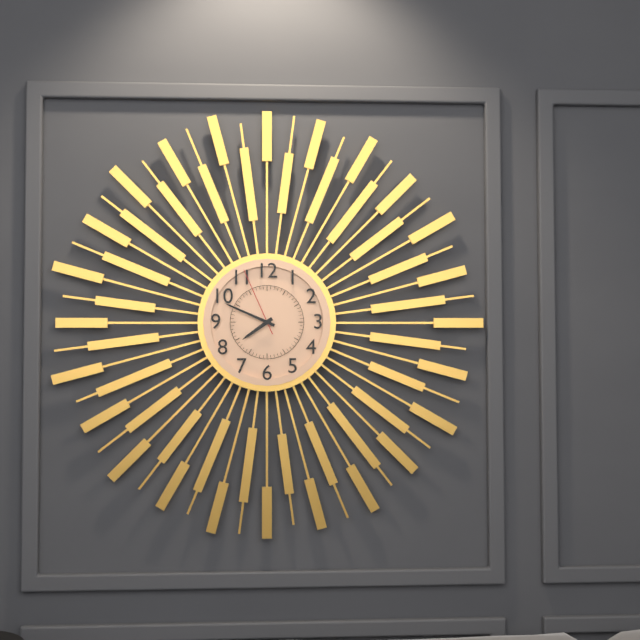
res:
7:49:56
